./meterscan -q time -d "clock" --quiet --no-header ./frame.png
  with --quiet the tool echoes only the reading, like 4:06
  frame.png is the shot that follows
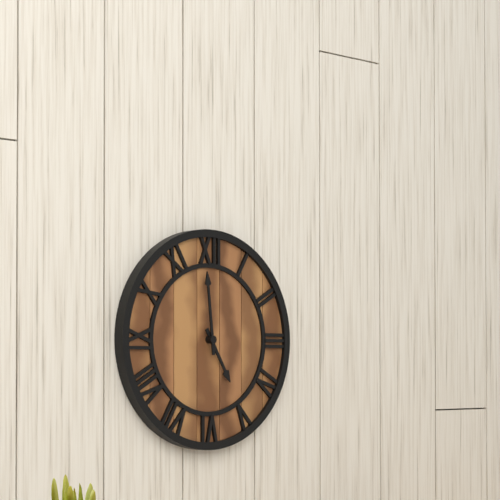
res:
4:59
